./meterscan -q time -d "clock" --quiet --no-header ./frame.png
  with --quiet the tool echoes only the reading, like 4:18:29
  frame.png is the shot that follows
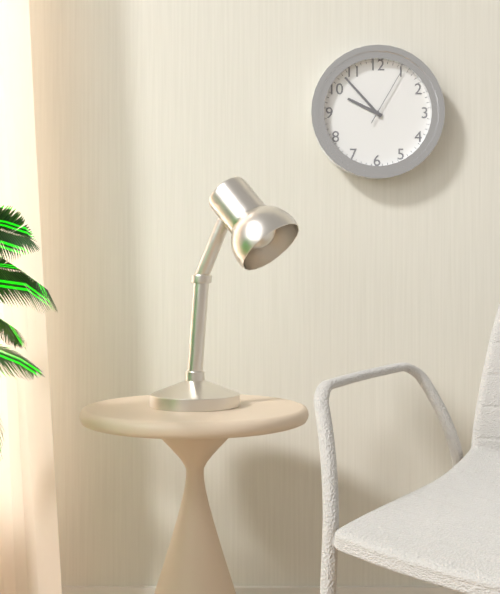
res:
9:53:05
